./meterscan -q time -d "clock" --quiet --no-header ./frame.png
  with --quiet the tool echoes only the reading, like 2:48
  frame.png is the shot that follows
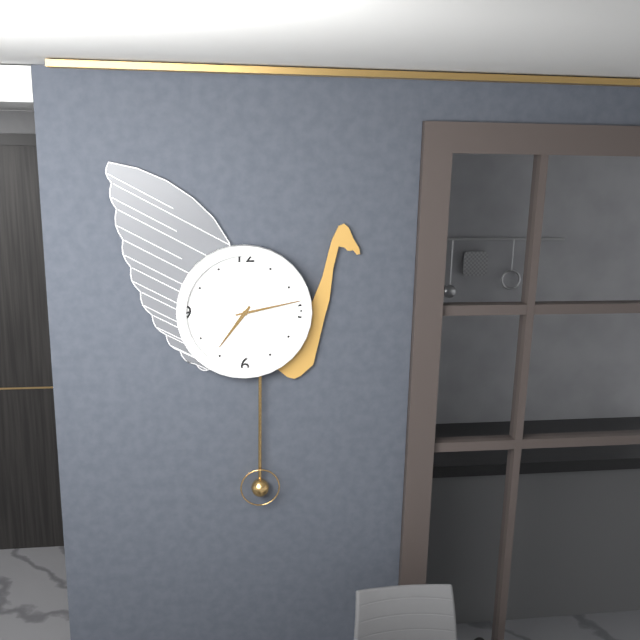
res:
7:13
